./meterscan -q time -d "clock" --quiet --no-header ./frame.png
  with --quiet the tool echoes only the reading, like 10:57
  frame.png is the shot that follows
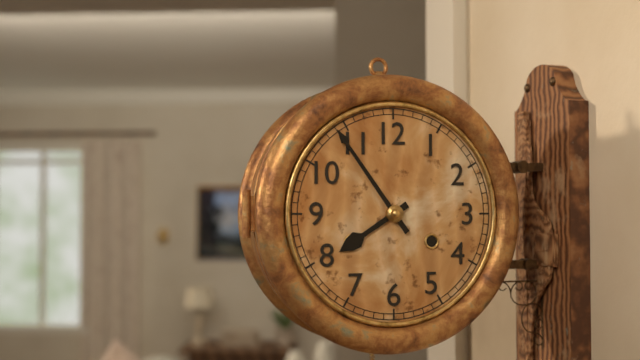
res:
7:54
